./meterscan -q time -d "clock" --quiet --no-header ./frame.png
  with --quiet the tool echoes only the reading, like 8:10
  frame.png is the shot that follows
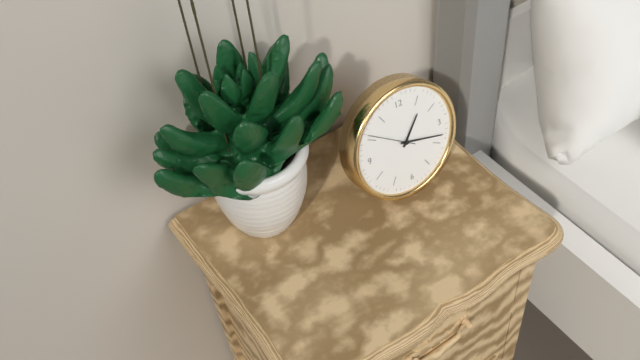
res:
1:18
